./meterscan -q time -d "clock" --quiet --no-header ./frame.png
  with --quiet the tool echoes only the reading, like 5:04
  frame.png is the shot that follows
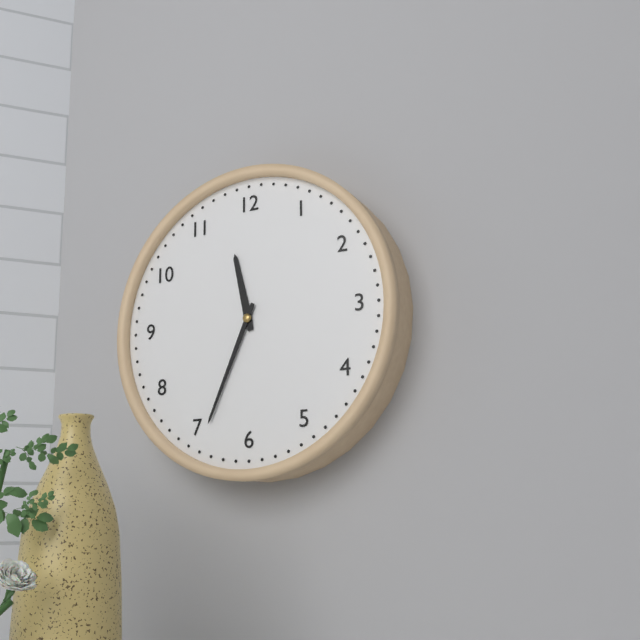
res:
11:34
